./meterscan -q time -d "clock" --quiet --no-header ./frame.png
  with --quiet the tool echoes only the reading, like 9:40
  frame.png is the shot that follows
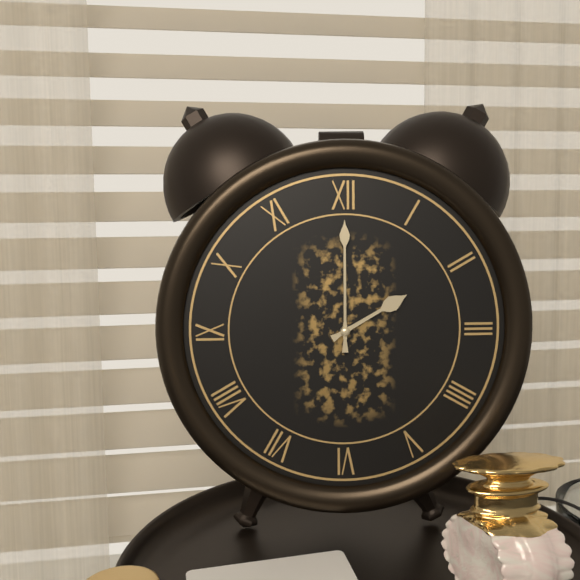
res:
2:00
